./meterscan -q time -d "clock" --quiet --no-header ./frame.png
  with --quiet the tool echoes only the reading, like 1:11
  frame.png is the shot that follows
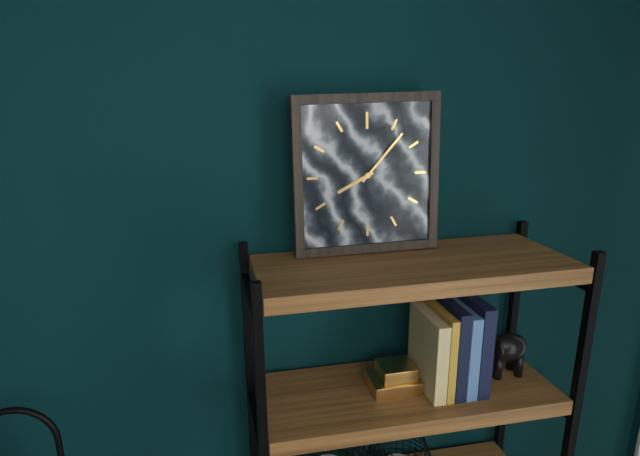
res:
8:07
